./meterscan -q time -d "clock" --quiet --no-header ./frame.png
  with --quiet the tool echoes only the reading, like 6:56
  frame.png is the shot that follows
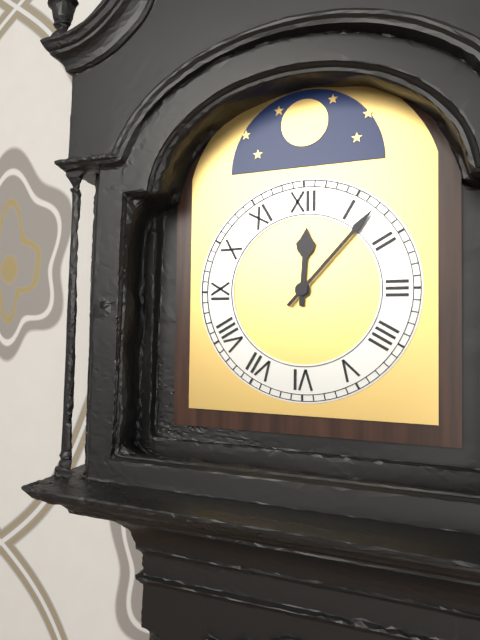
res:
12:07
